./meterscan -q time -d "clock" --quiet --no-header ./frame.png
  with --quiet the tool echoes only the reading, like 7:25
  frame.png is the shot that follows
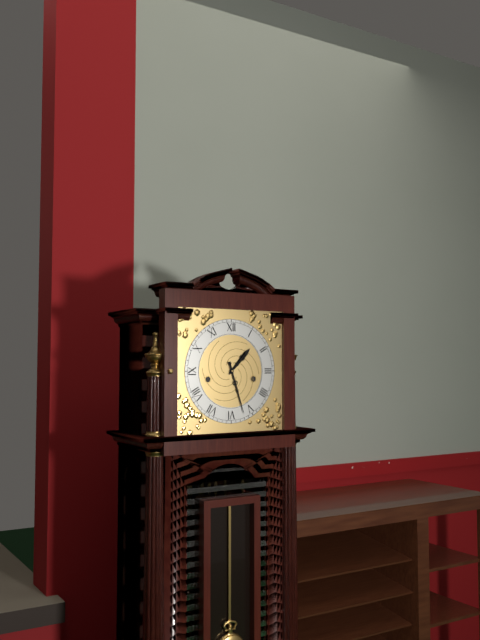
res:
1:27
